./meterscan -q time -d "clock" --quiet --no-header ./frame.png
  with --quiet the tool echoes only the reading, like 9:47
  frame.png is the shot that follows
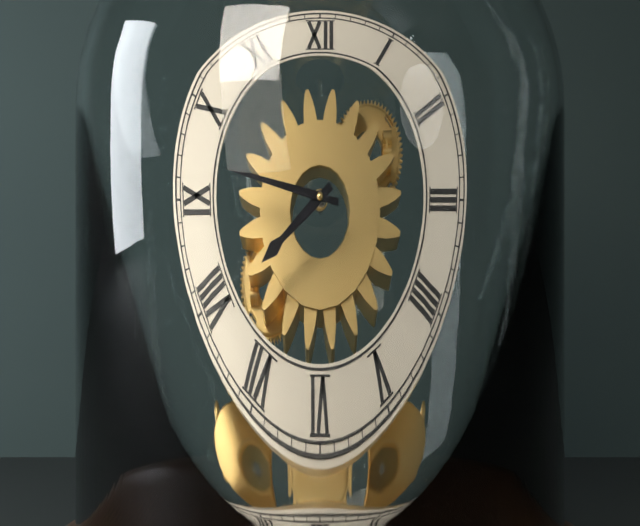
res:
7:47
